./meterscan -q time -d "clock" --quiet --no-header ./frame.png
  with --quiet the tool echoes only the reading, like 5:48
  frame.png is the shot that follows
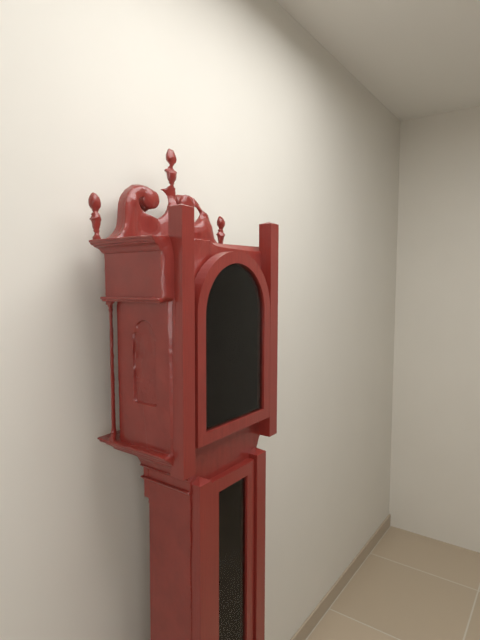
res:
9:13
